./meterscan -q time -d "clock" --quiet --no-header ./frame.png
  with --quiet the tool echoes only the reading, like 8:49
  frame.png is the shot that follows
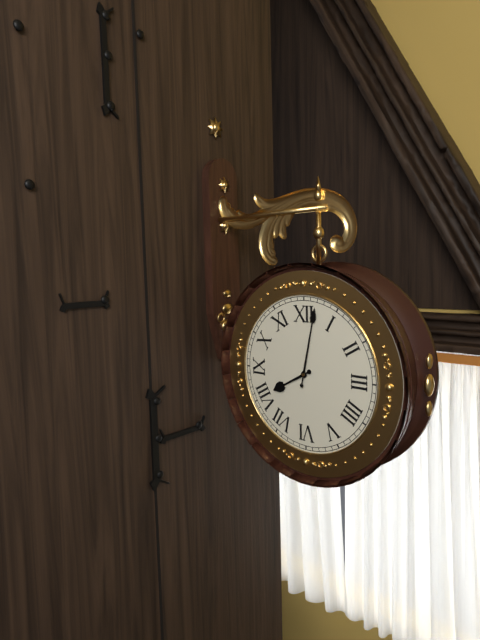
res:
8:02
